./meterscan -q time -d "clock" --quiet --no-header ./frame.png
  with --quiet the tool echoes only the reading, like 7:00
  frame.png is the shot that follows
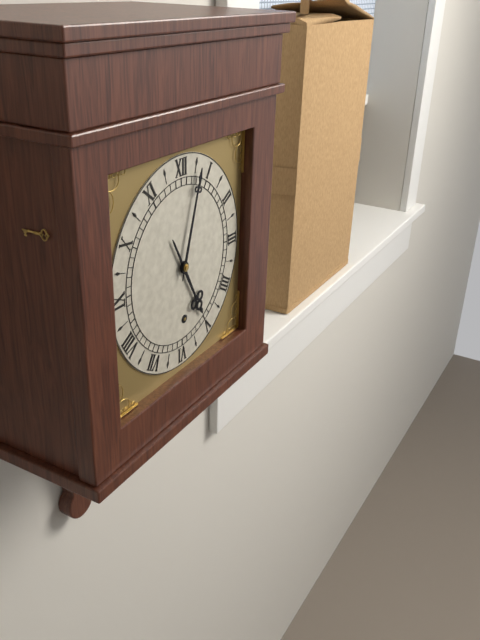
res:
5:03
